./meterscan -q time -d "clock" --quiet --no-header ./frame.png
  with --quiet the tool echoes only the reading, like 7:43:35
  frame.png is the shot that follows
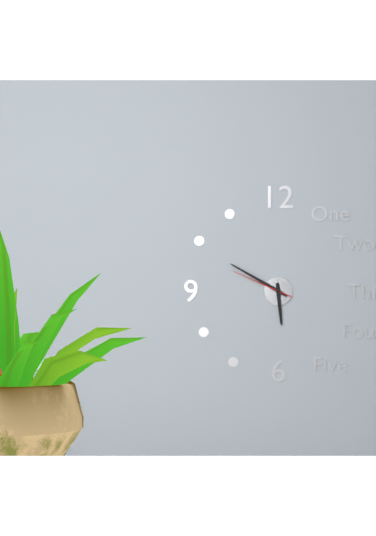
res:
5:50:49
